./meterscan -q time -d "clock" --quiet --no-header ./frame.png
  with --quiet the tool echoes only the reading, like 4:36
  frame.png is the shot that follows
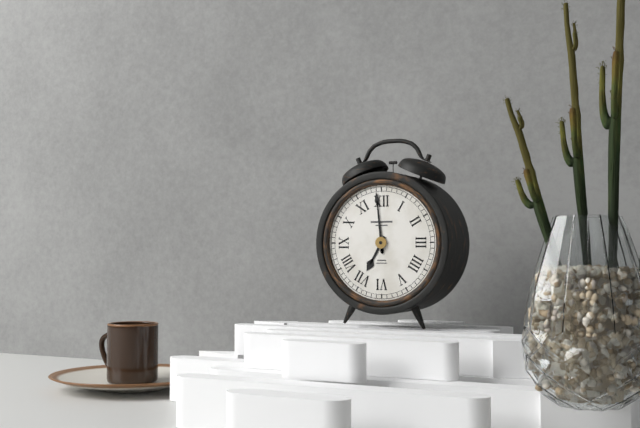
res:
6:59
